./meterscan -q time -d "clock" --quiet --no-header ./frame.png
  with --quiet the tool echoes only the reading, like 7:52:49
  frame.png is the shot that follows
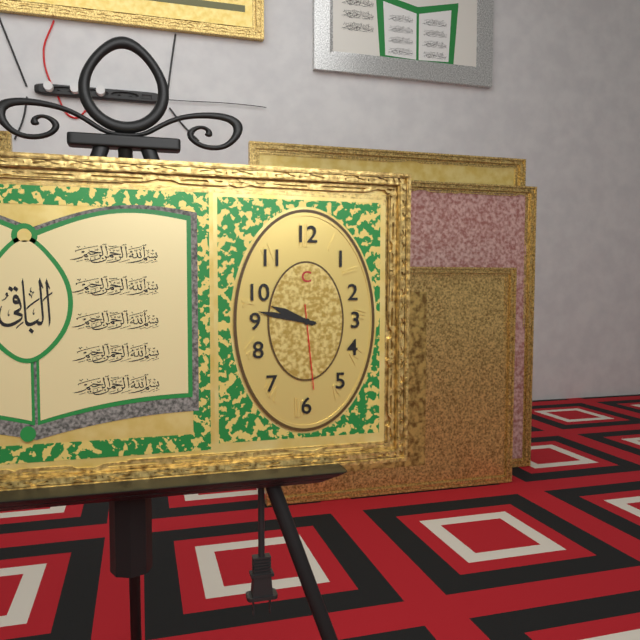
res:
9:47:29
